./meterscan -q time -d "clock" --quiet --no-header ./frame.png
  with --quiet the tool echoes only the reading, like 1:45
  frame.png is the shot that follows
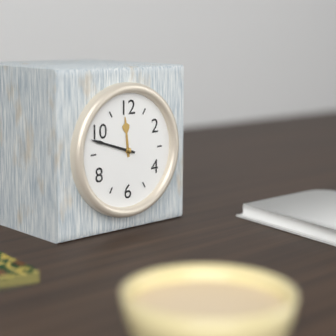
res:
11:48
